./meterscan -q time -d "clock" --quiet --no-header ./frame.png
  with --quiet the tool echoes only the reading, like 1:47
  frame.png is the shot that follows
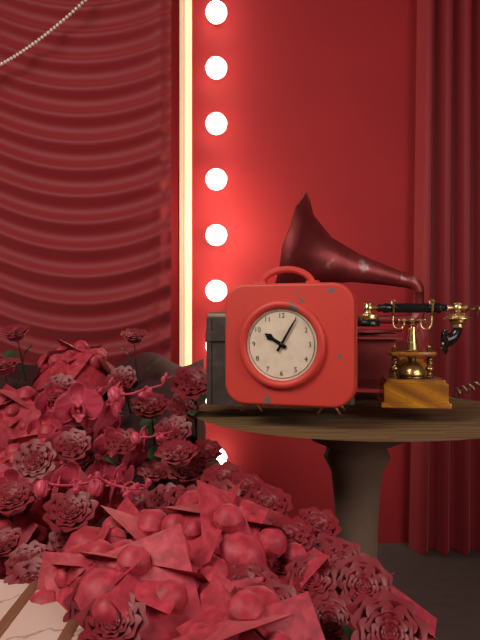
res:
10:05
